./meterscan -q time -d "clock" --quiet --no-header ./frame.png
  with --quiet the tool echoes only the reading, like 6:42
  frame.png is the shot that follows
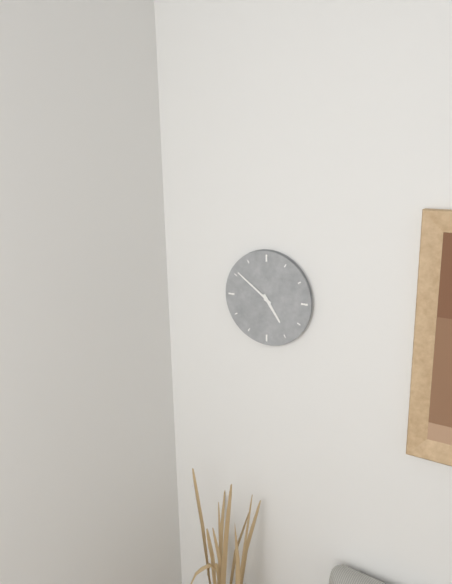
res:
4:51
